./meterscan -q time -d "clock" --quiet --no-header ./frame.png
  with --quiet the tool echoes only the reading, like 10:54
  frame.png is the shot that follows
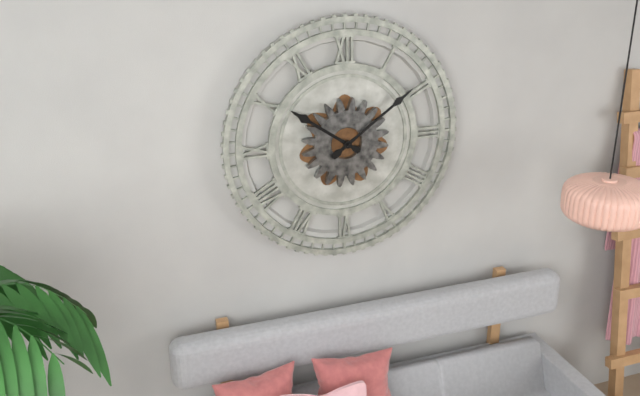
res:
10:09
